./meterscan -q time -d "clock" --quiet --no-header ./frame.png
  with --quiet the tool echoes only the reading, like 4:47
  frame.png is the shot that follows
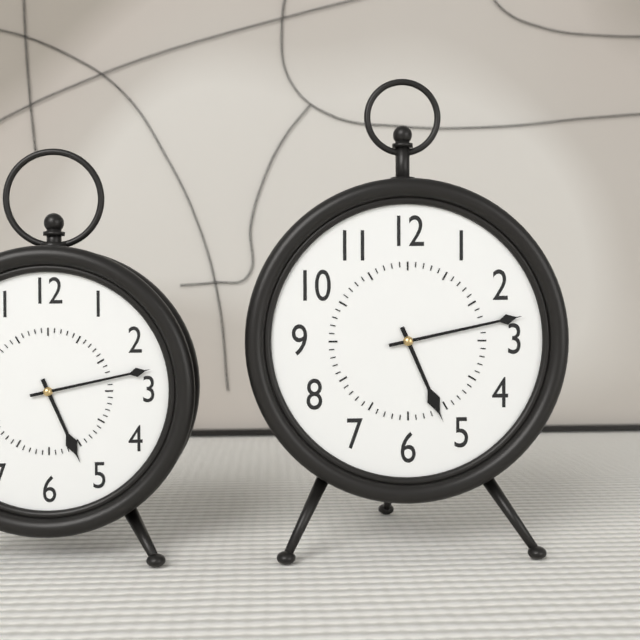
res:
5:13
